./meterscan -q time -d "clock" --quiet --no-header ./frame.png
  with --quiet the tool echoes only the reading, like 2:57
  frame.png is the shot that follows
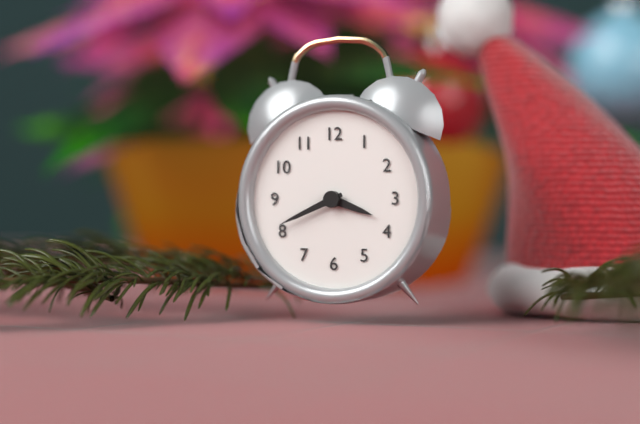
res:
3:41
